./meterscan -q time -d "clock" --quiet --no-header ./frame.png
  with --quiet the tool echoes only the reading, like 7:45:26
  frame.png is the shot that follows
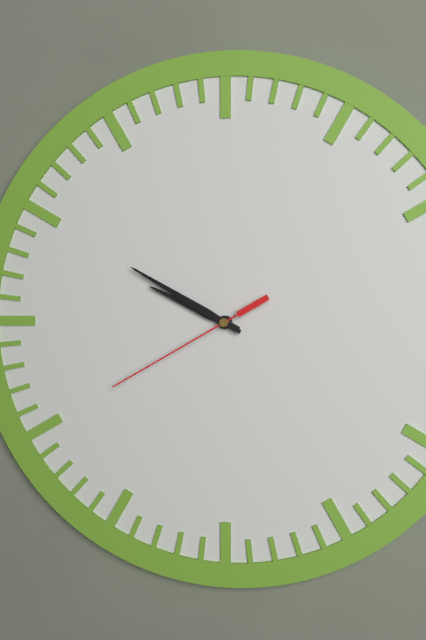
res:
9:50:40
